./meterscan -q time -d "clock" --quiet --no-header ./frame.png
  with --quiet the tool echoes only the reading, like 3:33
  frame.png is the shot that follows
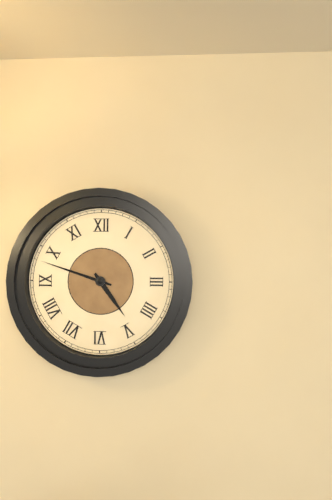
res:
4:48
